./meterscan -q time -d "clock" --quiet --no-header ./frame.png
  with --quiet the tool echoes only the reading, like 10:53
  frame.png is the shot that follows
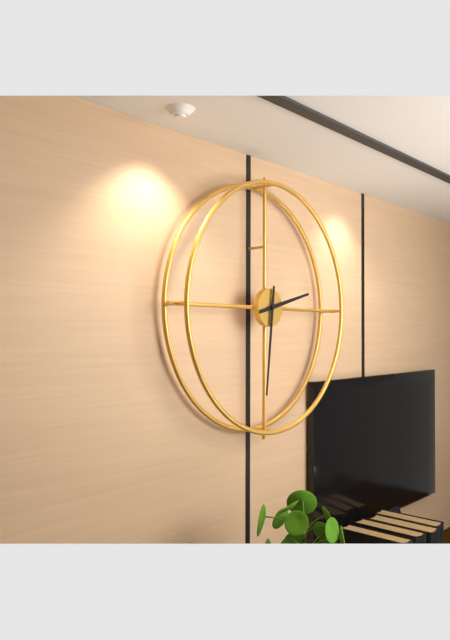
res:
2:31
